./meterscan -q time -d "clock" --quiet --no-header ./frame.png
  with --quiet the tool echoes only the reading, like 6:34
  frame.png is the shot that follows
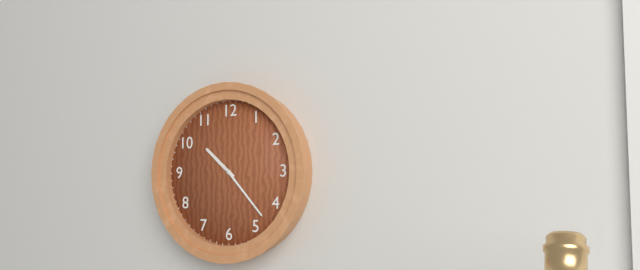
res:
10:23
